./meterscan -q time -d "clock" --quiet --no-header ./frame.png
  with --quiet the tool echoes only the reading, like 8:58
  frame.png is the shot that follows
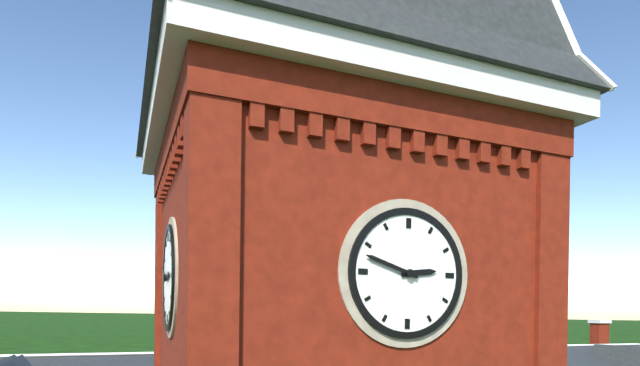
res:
2:48
